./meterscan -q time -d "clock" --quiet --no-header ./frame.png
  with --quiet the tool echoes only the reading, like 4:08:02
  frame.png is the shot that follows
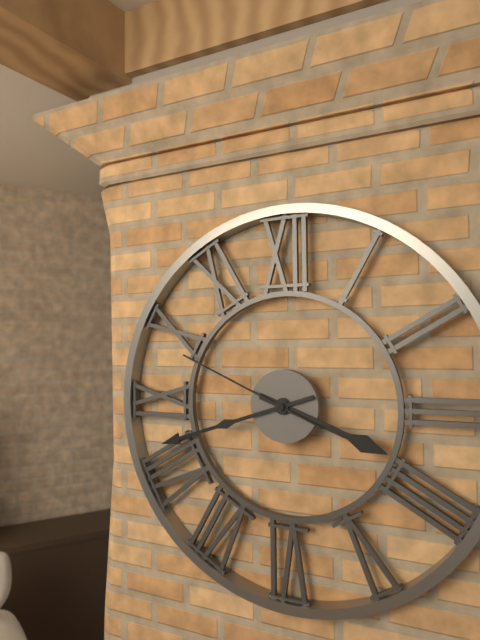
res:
3:42:49
